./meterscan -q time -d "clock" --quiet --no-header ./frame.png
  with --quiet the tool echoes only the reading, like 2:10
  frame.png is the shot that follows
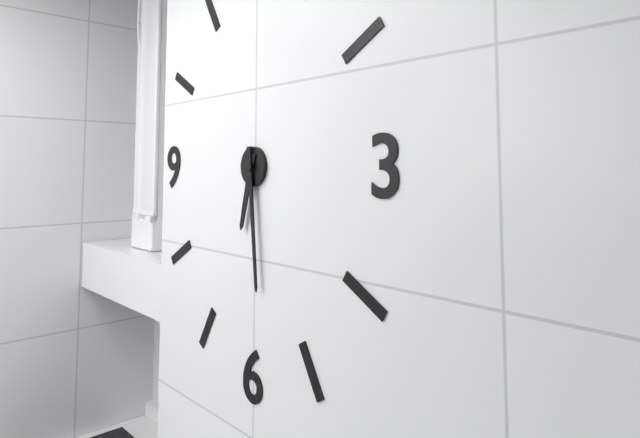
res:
6:29
